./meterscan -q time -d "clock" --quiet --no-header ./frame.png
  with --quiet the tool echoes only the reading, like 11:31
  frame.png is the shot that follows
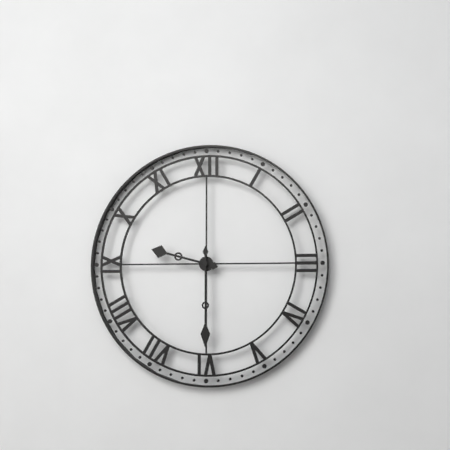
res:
9:30
